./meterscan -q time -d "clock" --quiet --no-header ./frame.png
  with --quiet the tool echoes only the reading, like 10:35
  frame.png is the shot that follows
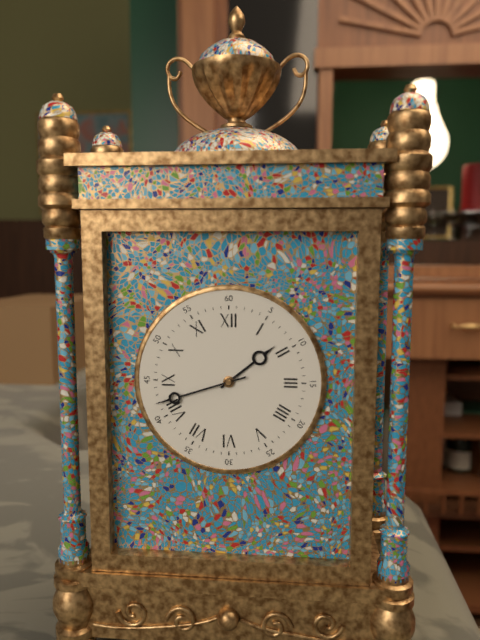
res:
1:42
